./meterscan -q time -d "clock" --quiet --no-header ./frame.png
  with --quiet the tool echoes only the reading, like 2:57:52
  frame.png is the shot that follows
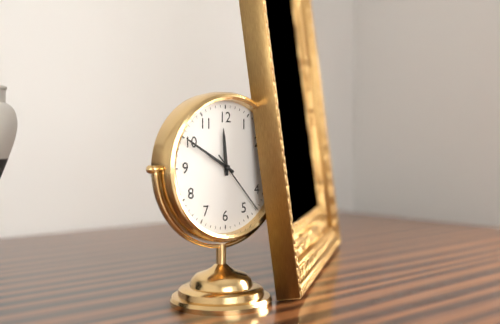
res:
11:50:23
